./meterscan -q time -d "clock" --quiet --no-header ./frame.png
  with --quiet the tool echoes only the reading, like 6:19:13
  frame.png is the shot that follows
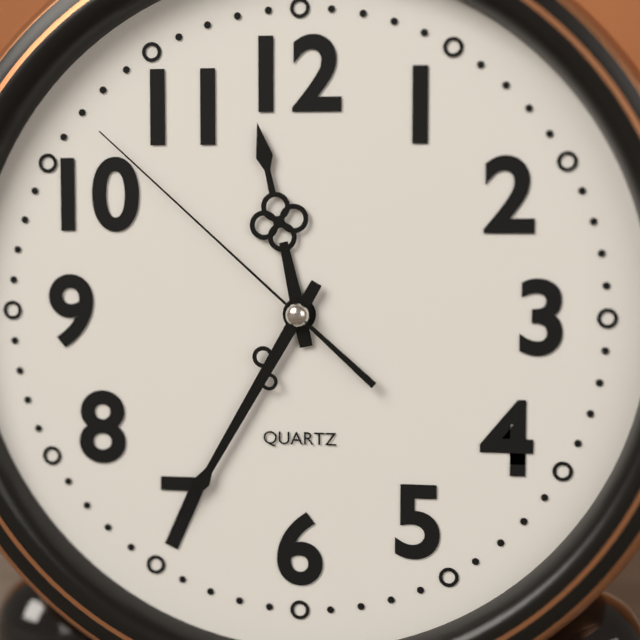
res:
11:35:52
